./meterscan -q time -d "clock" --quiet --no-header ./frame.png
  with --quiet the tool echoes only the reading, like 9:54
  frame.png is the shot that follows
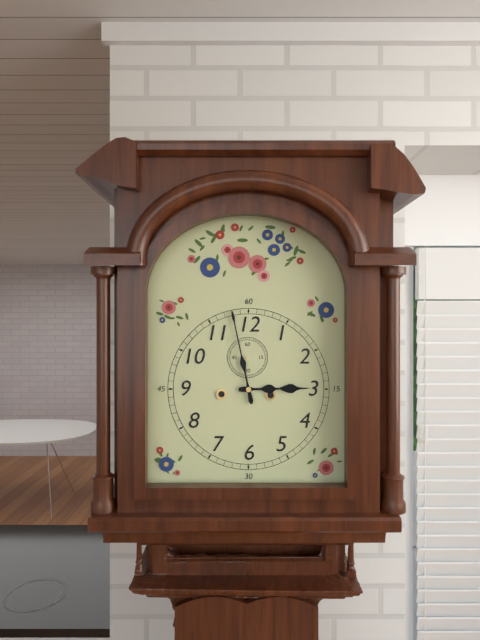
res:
2:58
